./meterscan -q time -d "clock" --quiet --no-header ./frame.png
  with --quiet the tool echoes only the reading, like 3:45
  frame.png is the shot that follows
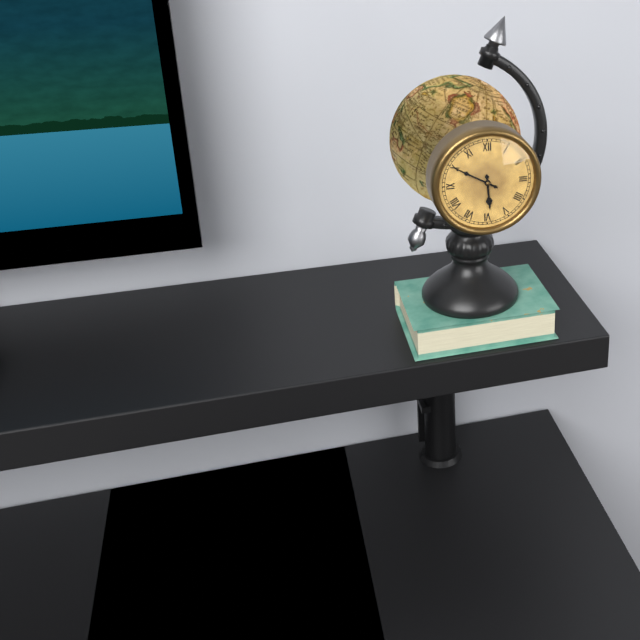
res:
5:50
